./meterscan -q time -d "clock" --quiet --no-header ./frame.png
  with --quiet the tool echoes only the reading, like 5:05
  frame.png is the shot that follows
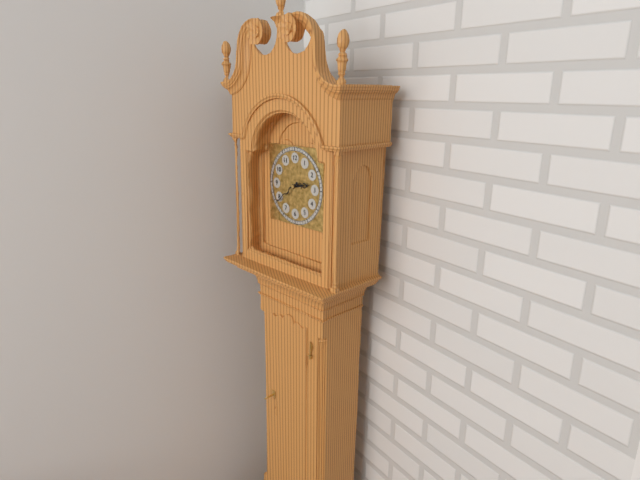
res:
2:39
